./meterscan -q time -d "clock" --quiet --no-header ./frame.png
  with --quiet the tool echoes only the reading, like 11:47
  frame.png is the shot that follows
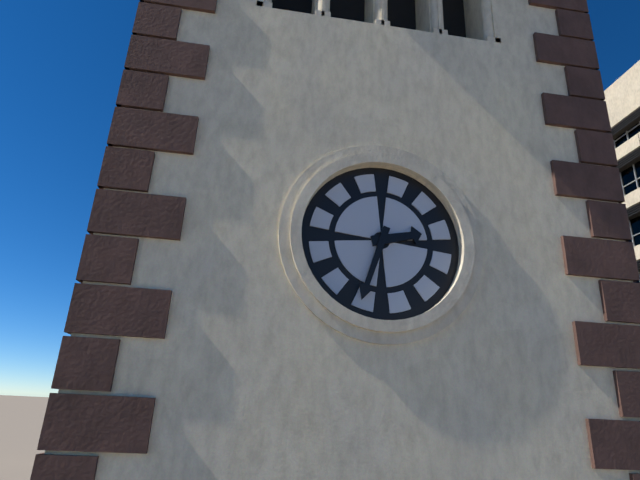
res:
2:33
